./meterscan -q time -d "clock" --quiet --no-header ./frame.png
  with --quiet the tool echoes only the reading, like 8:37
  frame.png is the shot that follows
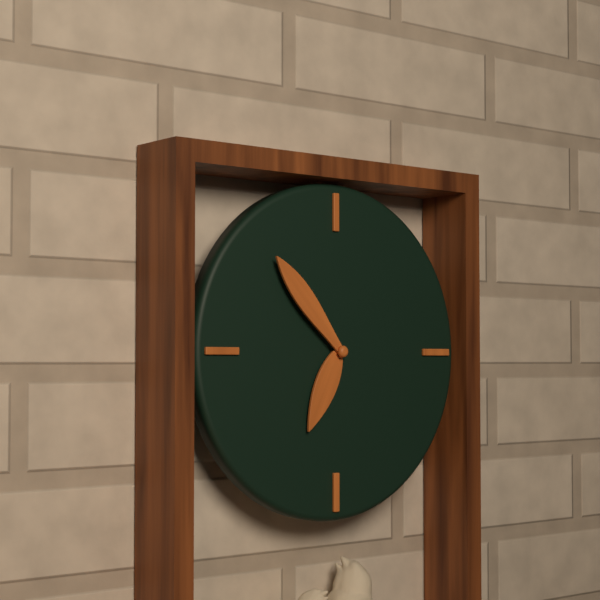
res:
6:53
